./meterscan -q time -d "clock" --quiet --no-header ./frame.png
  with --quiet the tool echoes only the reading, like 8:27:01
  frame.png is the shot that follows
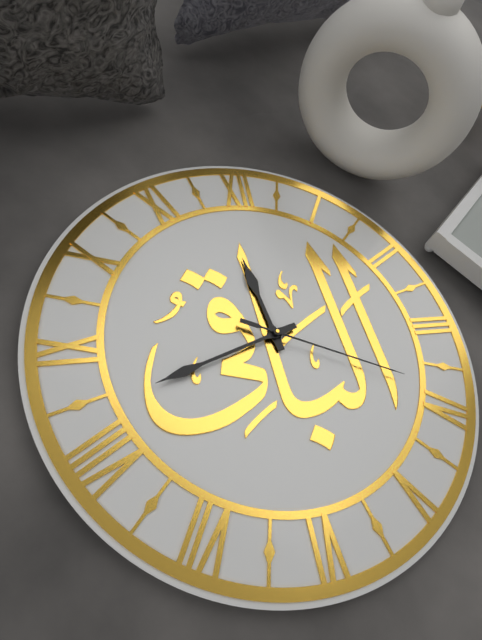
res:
11:42:19
